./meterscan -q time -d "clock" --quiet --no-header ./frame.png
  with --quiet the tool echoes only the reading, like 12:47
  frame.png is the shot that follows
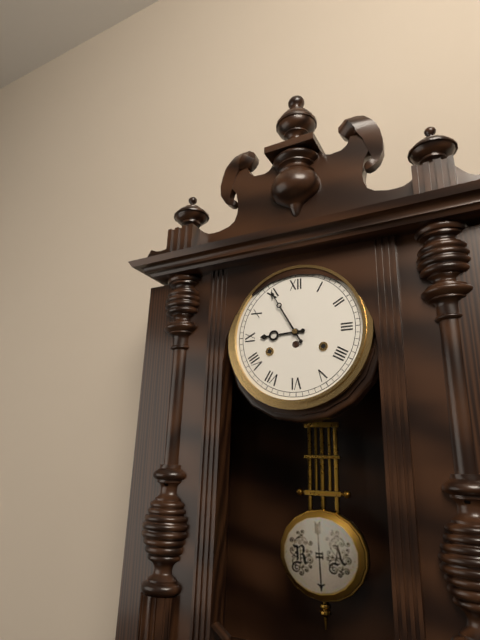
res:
8:55
